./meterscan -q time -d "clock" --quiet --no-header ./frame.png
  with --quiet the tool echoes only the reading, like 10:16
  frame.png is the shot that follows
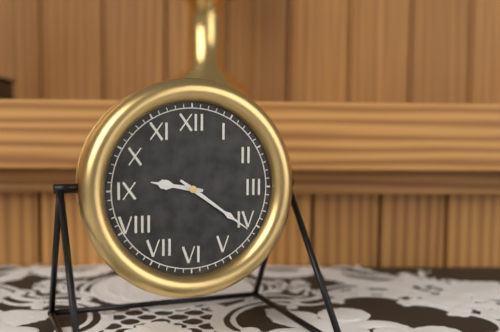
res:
9:21
